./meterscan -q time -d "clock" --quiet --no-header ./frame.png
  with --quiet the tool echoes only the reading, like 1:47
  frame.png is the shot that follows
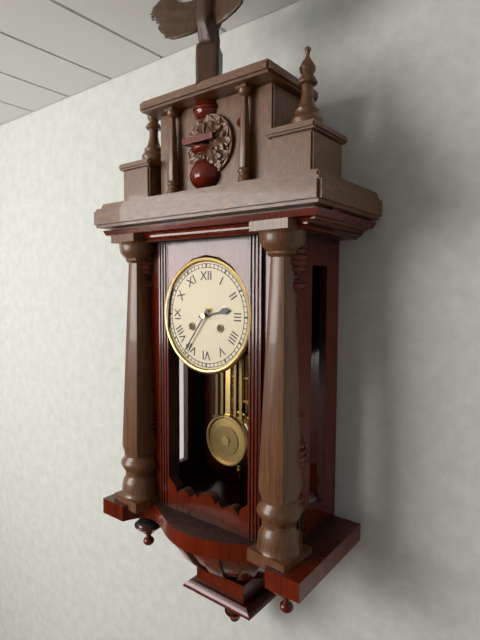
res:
2:36
